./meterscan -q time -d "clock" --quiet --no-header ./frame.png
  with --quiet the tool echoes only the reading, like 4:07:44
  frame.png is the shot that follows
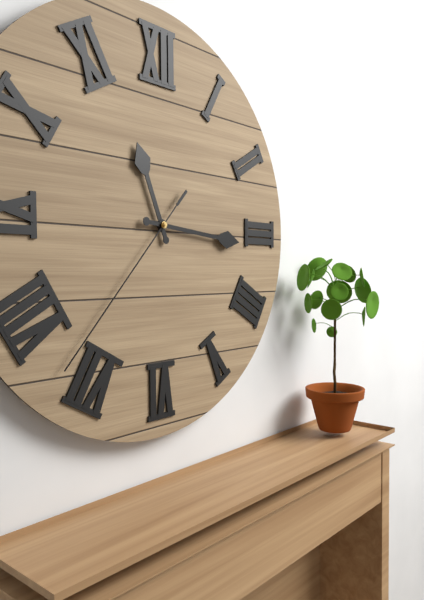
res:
11:16:37
